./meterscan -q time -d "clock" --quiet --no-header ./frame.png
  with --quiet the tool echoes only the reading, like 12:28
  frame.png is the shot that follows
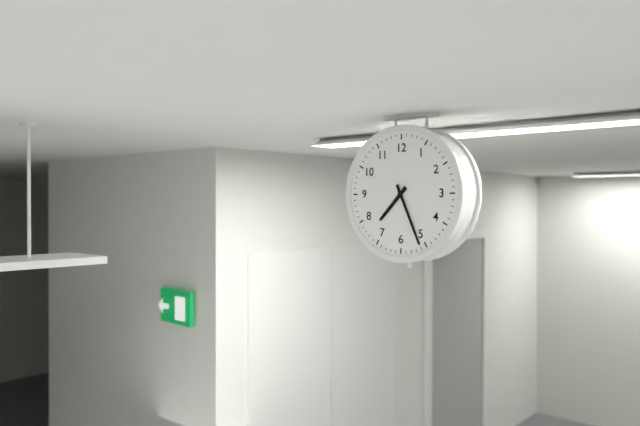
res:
7:26
